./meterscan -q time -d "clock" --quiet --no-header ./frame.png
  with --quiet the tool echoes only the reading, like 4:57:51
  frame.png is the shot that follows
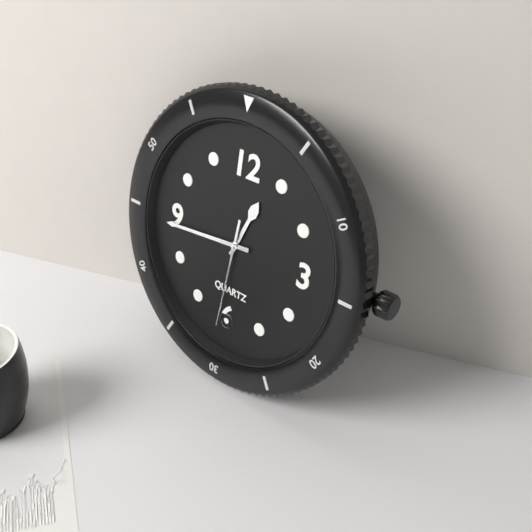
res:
12:44:31
